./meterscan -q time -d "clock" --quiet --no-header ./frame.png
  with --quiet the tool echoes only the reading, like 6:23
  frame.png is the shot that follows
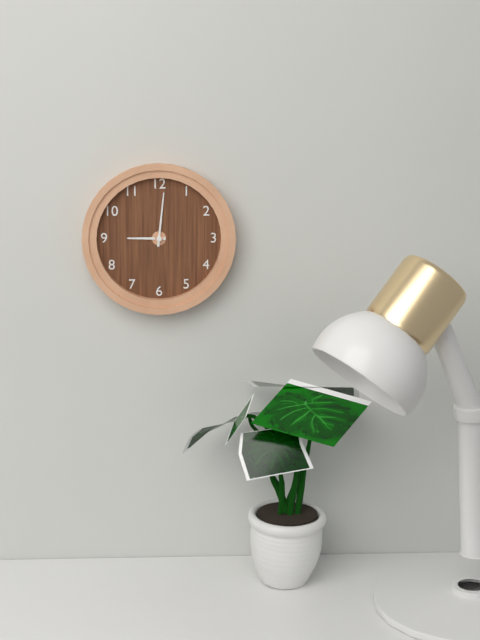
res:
9:01
